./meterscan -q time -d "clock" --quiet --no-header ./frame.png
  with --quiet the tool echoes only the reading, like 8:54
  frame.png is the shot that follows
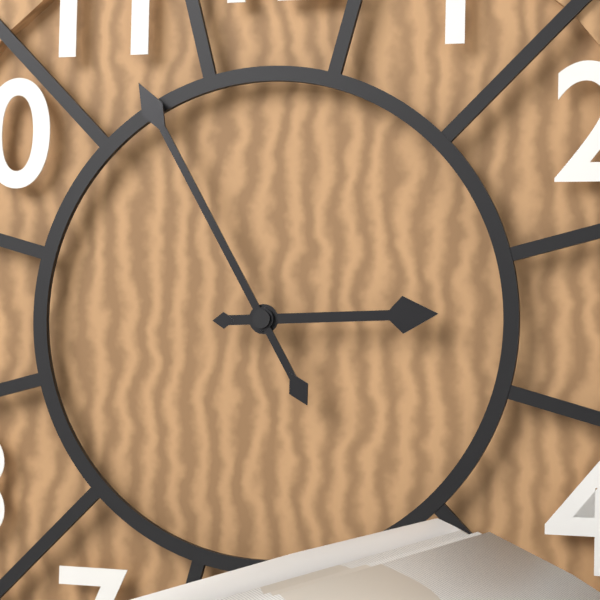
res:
2:55
